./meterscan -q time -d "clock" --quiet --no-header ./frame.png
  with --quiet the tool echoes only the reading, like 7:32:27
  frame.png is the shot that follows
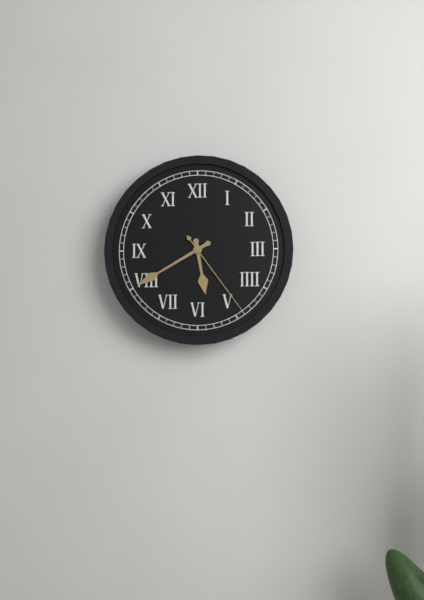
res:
5:40:24
